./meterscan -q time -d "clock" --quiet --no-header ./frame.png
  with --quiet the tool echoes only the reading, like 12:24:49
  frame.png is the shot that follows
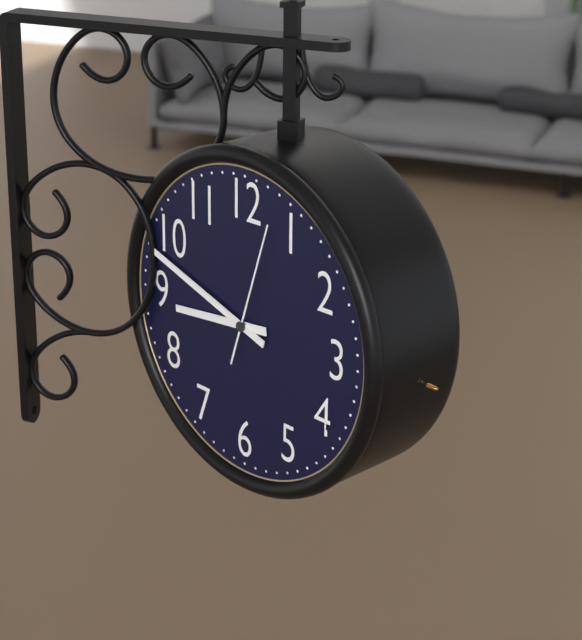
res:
8:48:03
